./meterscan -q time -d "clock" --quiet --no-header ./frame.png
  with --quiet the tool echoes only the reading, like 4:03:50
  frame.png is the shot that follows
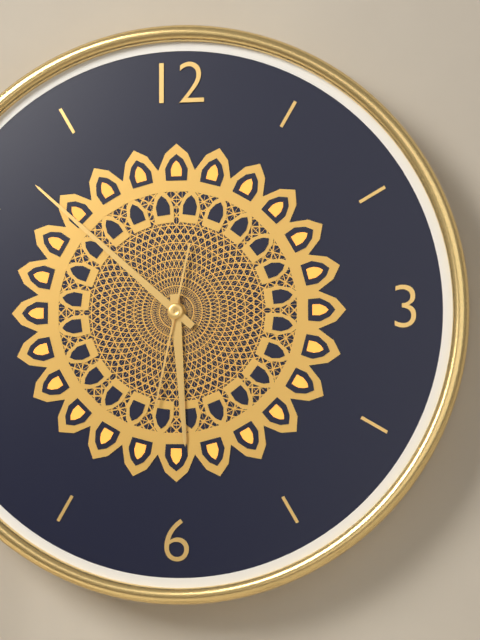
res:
5:52:32
